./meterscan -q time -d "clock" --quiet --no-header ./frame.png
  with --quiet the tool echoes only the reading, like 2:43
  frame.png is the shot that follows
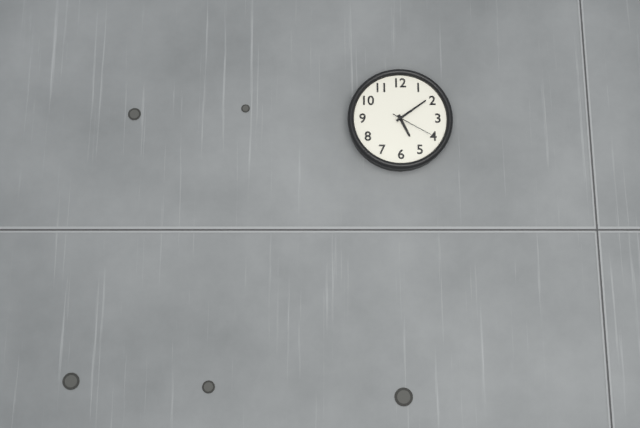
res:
5:09
